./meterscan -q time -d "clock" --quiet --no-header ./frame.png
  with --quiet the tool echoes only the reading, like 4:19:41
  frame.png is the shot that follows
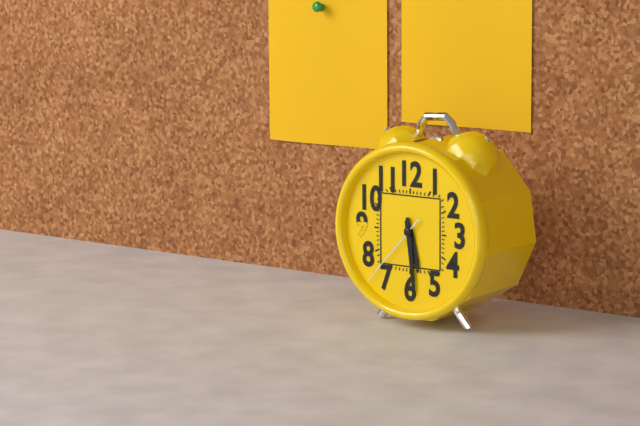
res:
5:29:37
